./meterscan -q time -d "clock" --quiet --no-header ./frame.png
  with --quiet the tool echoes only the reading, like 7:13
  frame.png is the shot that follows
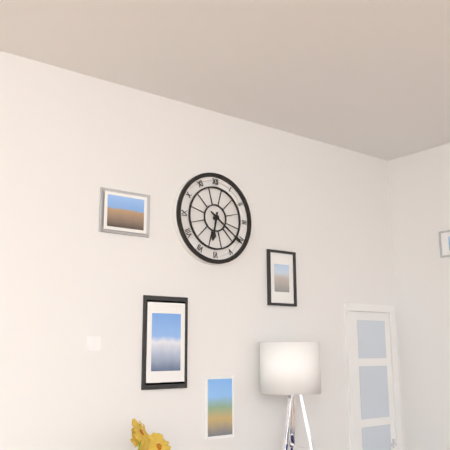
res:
6:21
